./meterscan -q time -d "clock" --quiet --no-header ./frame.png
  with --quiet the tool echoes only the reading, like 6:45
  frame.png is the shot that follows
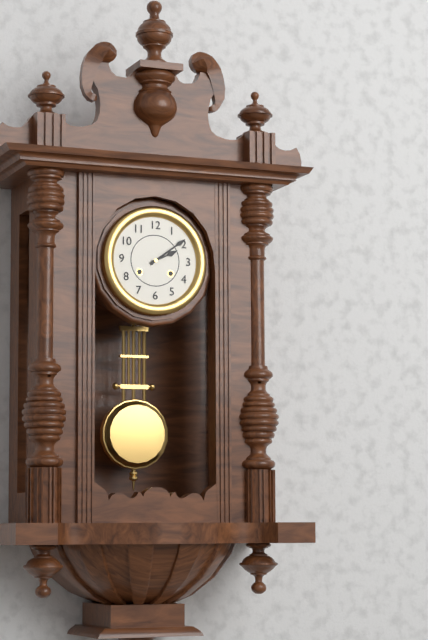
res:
2:09
